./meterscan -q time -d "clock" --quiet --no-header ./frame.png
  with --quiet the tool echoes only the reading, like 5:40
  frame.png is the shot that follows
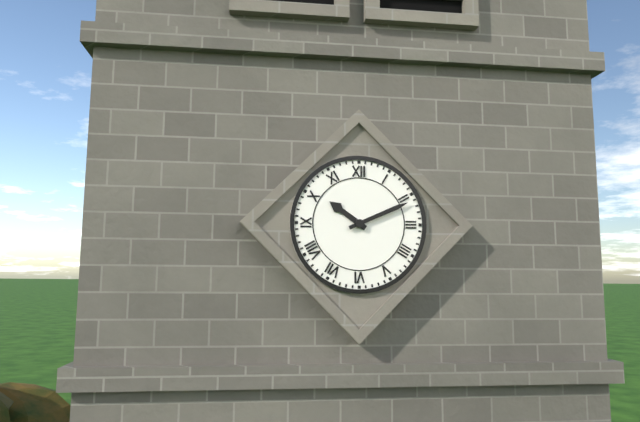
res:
10:11
